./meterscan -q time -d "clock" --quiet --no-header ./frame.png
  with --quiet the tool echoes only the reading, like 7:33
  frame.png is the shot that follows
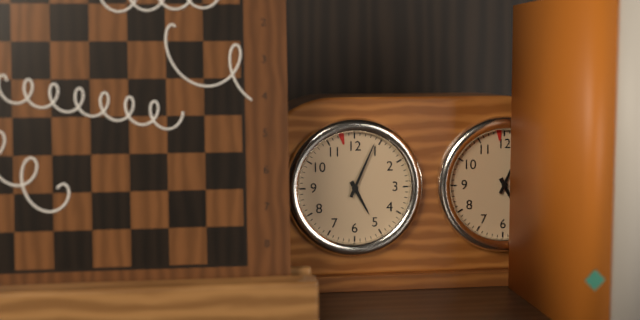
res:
5:04
